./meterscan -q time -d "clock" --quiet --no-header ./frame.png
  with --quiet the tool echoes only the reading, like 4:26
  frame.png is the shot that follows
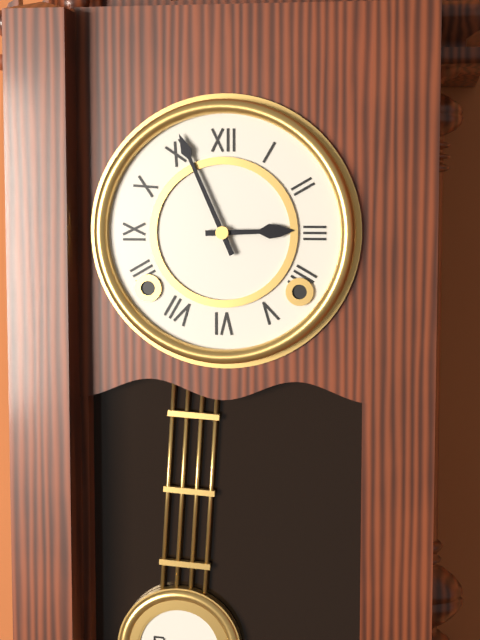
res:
2:56
